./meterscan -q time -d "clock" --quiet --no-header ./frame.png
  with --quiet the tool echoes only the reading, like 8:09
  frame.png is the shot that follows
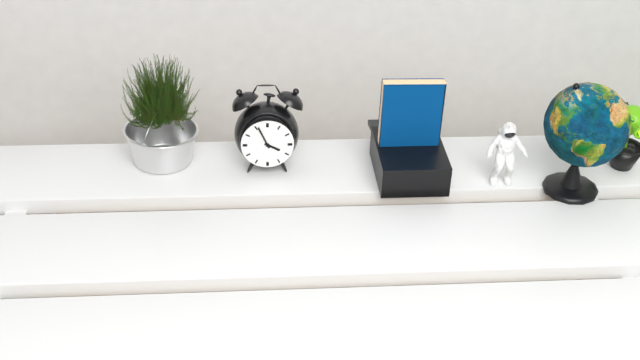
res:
3:56
